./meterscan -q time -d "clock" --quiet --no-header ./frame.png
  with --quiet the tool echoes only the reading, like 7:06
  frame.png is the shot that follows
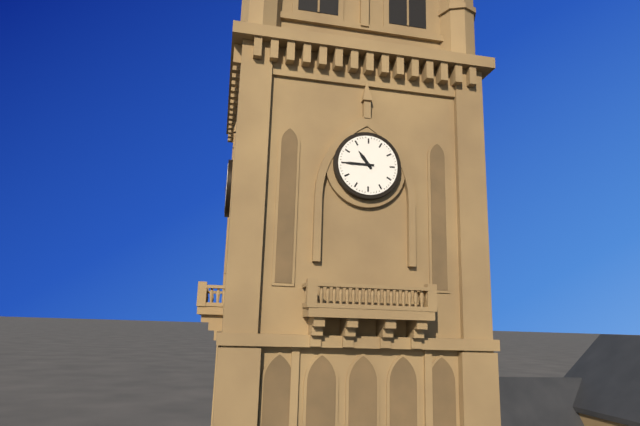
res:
10:45
